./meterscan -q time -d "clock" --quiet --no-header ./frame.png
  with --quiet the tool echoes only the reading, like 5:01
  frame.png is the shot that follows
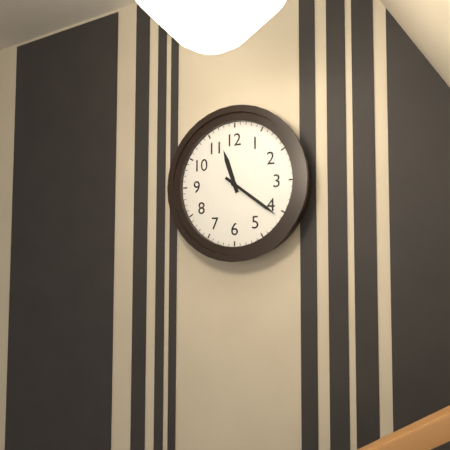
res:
11:21
